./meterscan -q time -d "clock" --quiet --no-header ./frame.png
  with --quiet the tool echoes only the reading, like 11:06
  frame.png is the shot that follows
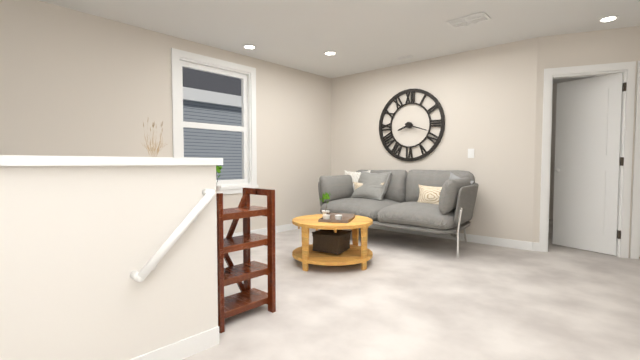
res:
8:18
